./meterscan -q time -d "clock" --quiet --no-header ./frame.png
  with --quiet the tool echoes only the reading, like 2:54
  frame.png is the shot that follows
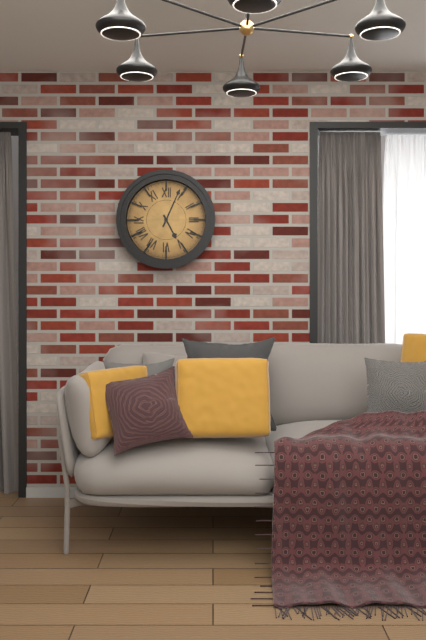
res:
5:04
